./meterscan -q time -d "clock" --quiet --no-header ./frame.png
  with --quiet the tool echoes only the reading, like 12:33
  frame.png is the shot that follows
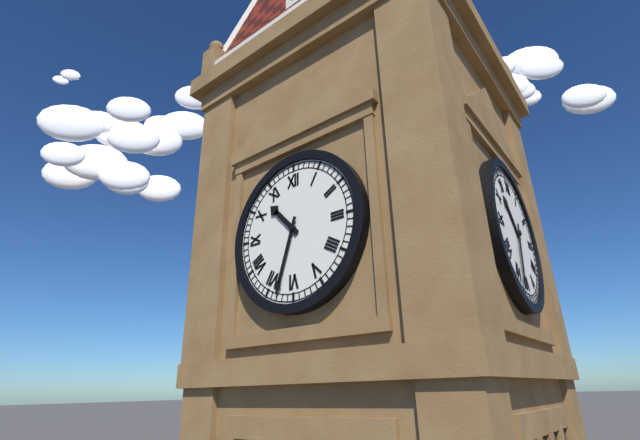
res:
10:33
